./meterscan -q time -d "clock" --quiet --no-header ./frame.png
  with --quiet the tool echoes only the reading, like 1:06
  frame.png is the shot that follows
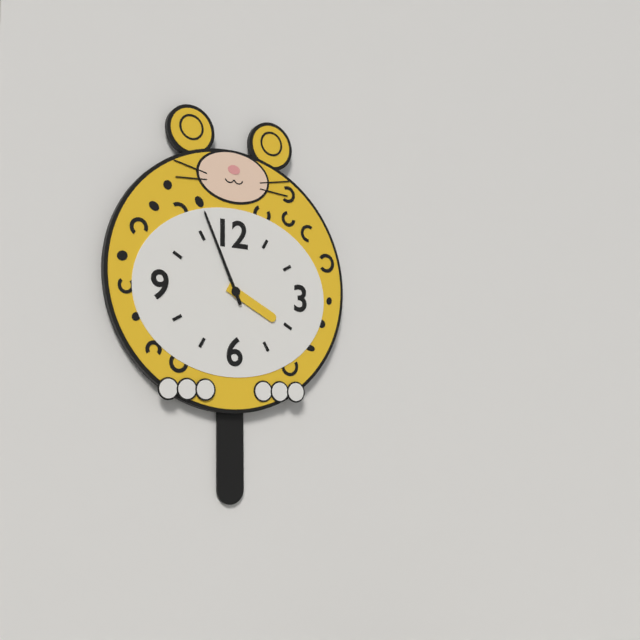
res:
3:56
